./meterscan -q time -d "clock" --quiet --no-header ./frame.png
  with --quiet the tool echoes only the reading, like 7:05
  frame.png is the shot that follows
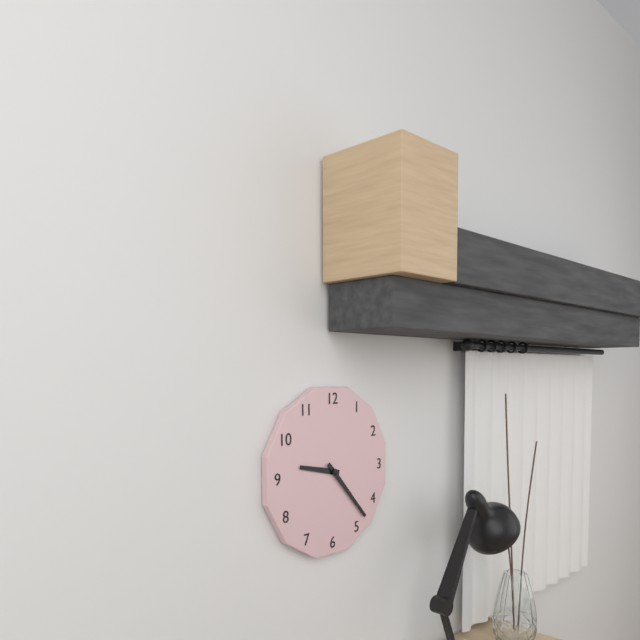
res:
9:23
